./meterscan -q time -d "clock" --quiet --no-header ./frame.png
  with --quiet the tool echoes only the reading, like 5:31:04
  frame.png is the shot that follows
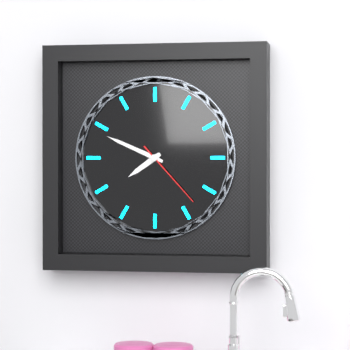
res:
7:49:23
